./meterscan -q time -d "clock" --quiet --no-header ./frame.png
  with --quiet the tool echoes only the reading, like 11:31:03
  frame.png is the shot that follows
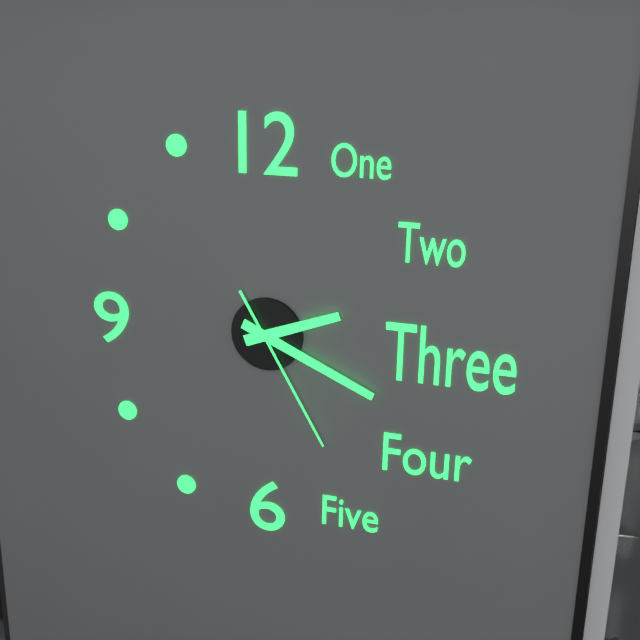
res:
2:19:25
